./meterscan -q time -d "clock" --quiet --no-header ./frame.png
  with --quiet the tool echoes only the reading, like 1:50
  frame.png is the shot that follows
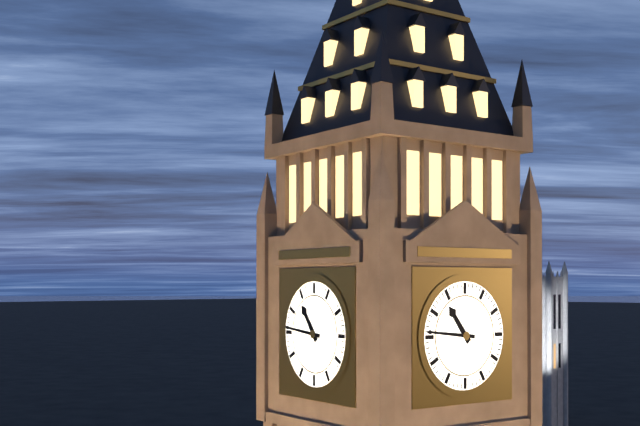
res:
10:46
